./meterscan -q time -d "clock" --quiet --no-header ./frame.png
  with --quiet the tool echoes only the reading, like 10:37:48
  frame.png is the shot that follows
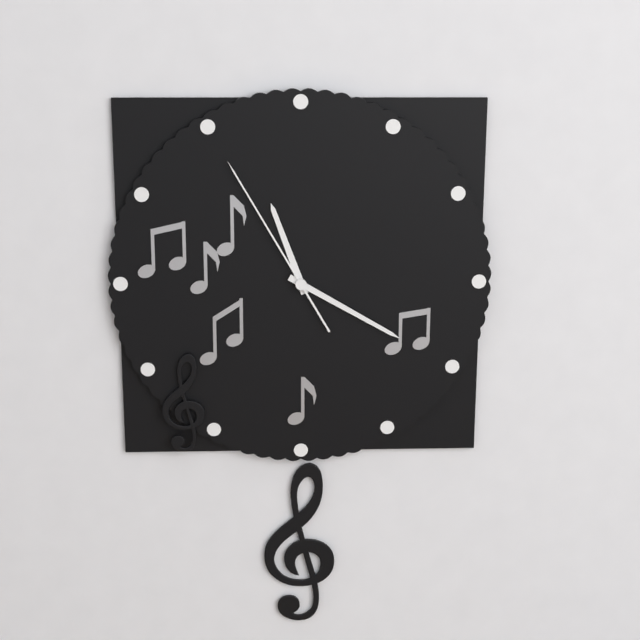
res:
11:20:55
